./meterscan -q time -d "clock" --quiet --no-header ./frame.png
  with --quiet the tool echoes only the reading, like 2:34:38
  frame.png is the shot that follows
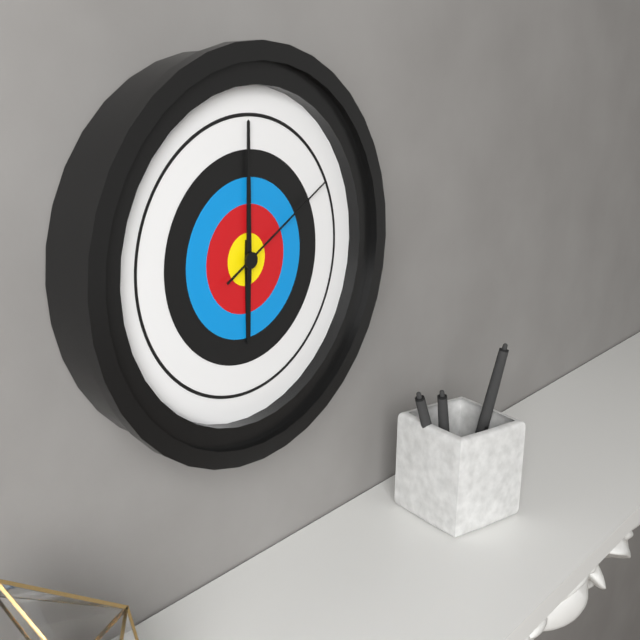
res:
6:00:10
